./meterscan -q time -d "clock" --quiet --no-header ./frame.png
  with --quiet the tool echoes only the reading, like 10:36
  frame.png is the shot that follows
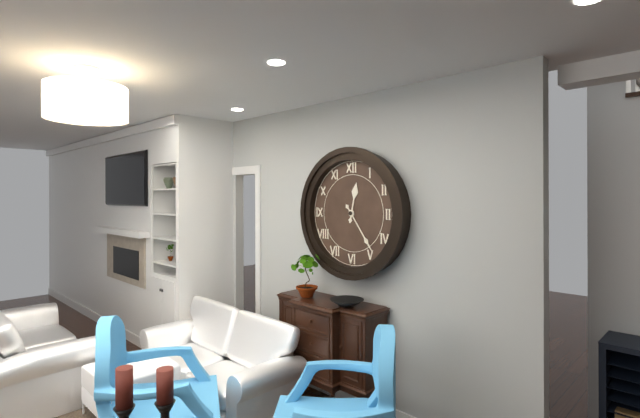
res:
12:24
